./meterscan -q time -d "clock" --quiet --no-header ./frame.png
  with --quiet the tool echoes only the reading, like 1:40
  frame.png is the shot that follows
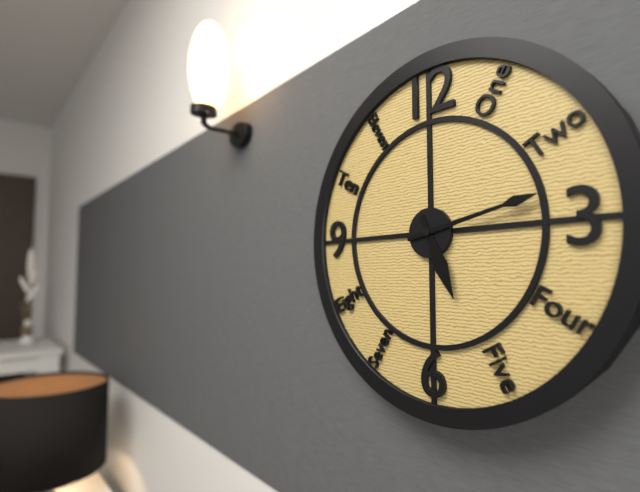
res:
5:13
